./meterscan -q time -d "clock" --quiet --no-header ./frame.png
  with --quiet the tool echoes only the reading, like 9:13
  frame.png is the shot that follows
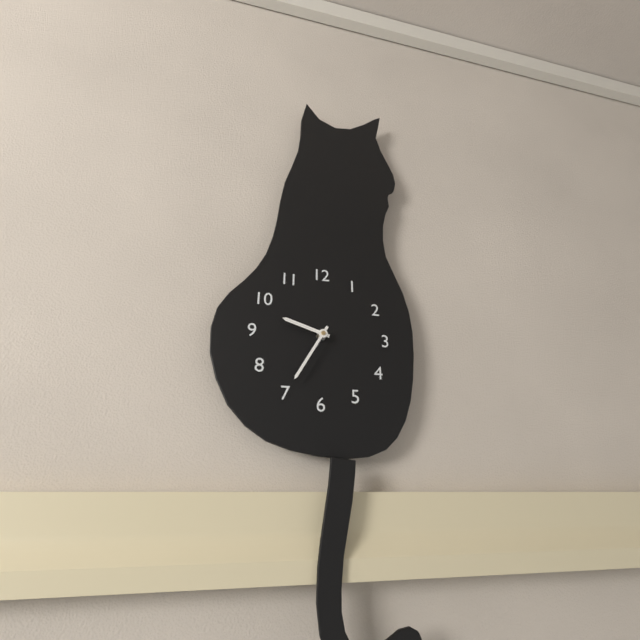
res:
9:35
